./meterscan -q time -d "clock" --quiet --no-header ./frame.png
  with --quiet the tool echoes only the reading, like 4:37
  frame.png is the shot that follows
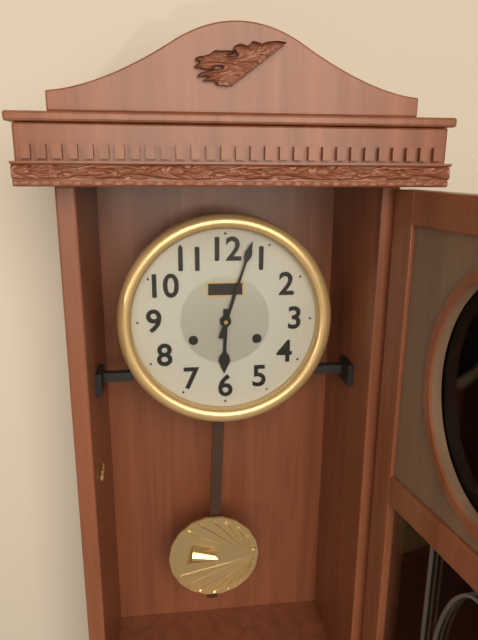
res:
6:03
